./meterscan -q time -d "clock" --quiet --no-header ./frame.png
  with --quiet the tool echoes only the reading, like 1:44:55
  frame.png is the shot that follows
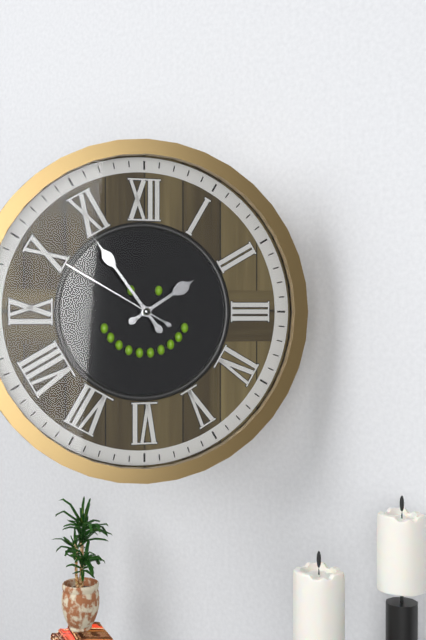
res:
1:54:50
